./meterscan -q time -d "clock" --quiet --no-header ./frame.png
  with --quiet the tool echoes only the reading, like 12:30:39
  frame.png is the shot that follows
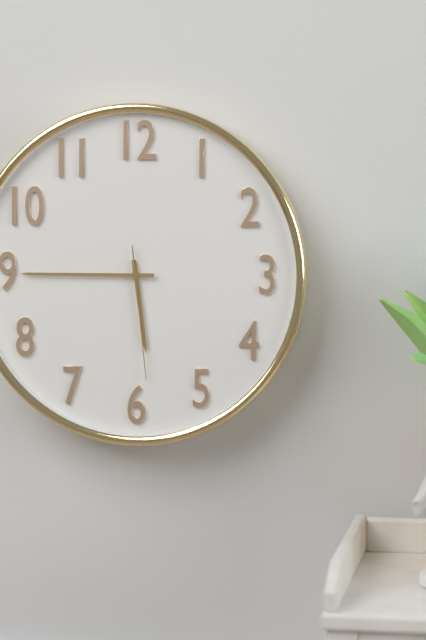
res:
5:45:29
